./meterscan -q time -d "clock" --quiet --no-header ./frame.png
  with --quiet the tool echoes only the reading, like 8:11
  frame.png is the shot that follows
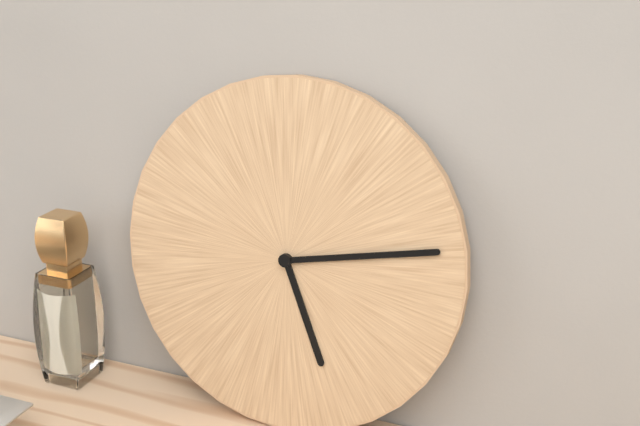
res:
5:13
